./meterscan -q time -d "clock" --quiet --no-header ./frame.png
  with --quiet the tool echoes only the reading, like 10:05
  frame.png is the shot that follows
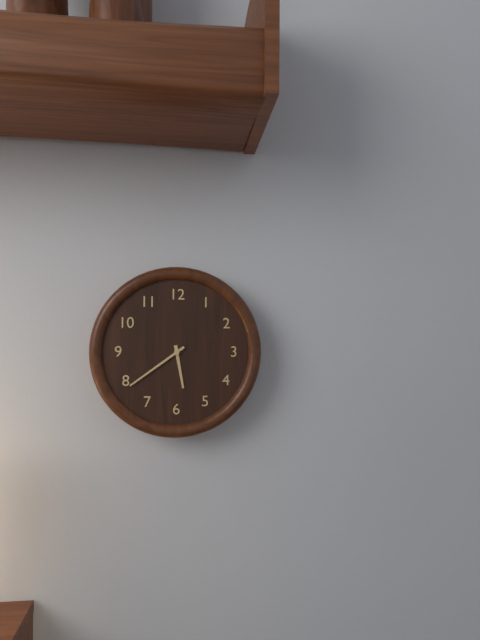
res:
5:39
